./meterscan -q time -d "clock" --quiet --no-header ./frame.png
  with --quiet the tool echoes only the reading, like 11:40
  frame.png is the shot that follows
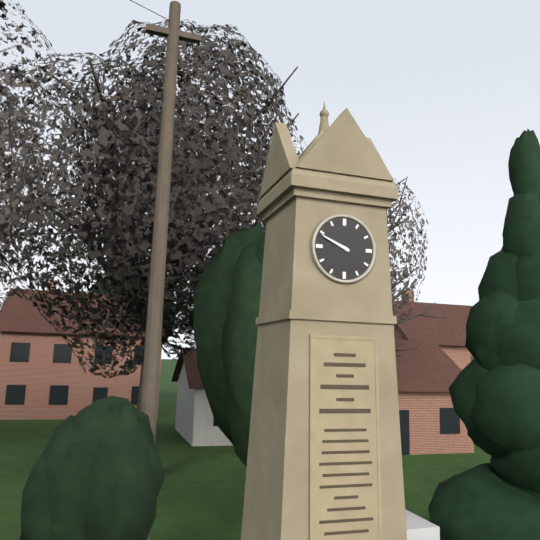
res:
9:49
